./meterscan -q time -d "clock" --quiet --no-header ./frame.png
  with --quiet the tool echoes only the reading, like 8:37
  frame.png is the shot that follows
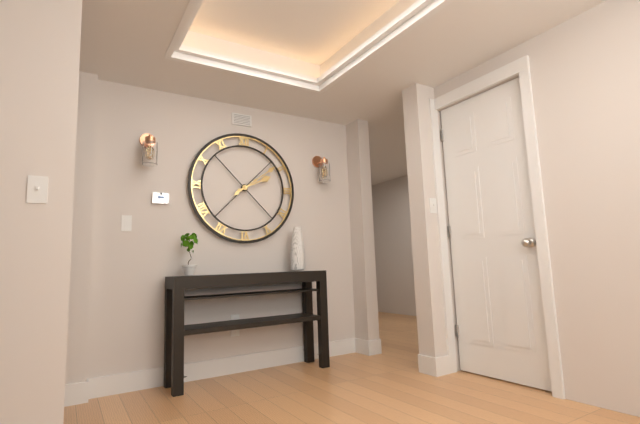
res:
2:09
